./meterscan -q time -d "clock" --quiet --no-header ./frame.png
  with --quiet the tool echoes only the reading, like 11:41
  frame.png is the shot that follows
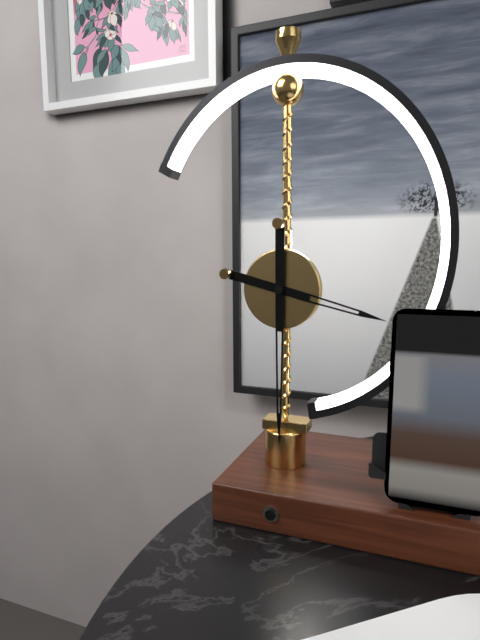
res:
3:30
